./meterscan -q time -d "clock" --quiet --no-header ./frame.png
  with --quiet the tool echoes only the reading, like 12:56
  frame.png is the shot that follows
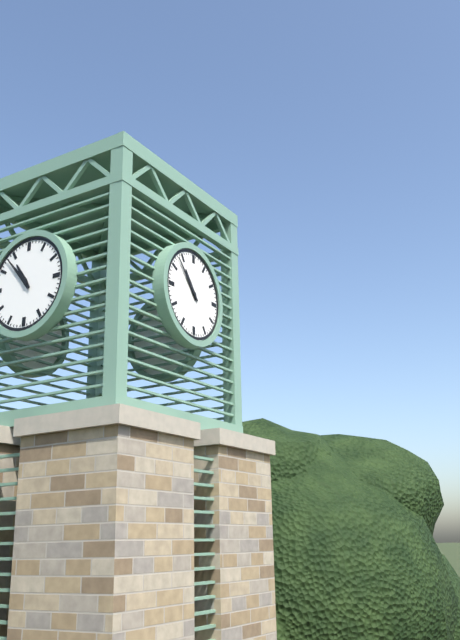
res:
10:53
